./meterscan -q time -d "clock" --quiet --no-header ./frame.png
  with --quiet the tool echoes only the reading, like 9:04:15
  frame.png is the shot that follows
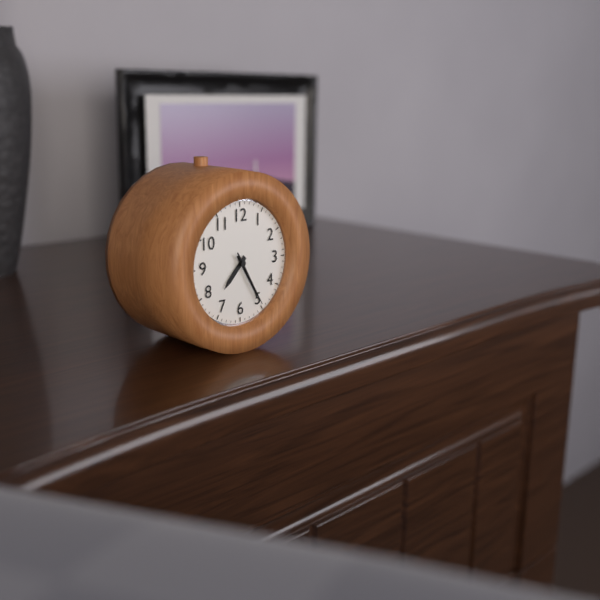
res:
7:25:25
